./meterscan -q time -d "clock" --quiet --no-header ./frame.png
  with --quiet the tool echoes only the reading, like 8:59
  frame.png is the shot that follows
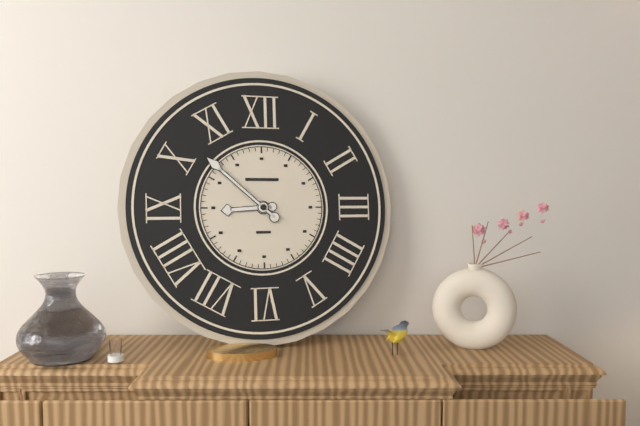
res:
8:52
